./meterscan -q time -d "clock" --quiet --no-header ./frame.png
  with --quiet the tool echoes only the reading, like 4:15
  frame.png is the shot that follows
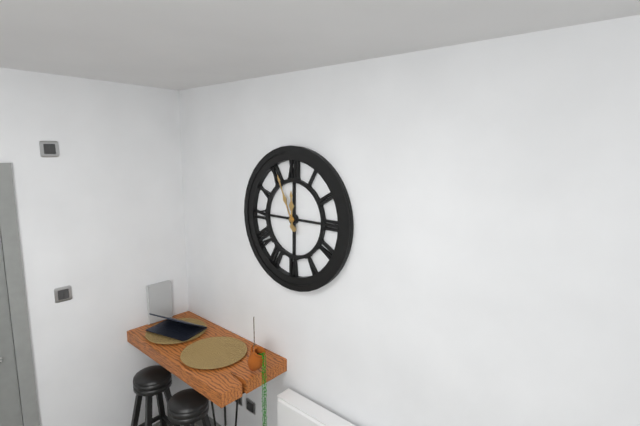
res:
11:56
